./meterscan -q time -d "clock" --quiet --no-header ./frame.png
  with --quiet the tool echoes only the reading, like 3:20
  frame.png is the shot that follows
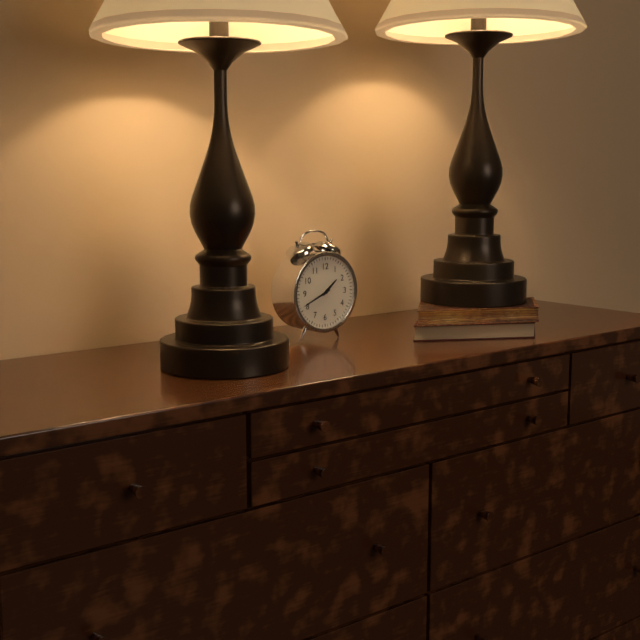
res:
1:41
